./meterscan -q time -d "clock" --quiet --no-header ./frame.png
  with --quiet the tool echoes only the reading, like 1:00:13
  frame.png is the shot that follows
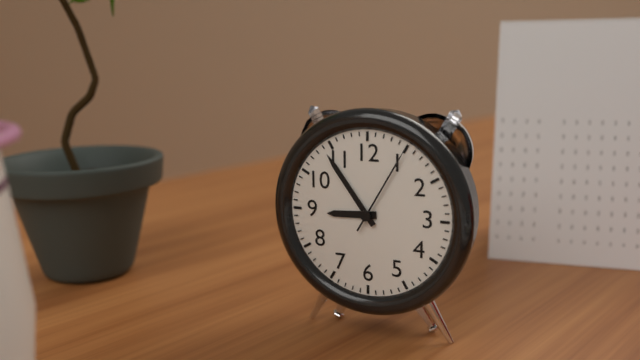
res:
8:54:05
